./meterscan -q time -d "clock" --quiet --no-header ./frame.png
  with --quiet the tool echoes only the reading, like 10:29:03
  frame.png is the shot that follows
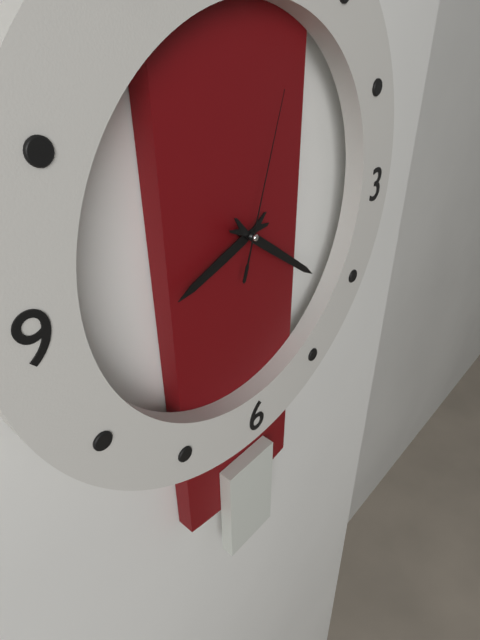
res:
8:21:03
